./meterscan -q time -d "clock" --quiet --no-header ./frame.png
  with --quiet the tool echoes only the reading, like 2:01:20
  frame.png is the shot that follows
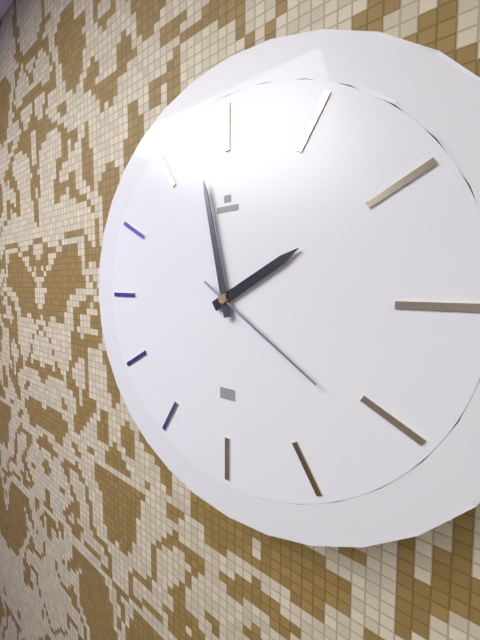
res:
1:58:21
